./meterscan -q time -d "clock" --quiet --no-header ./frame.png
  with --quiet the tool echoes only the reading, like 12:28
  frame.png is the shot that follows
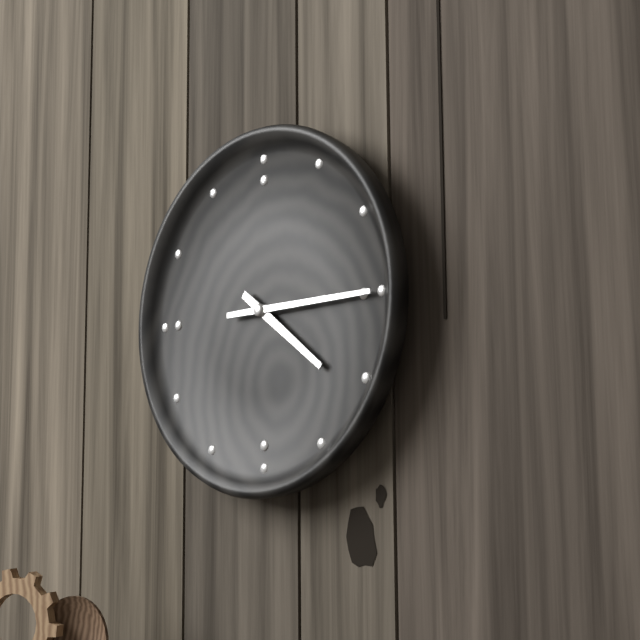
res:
4:15
